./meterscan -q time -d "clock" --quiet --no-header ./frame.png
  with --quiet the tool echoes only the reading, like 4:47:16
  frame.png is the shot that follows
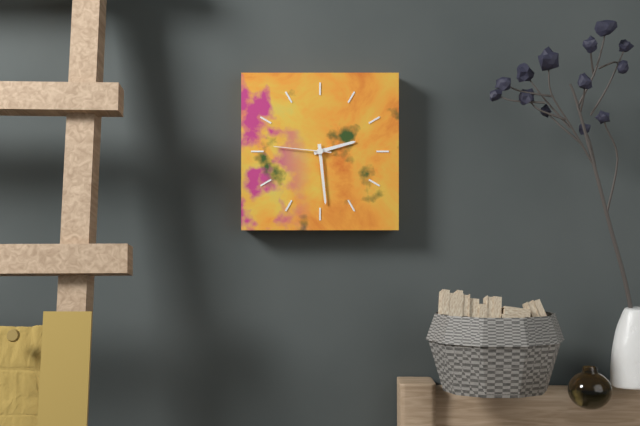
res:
2:29:46
